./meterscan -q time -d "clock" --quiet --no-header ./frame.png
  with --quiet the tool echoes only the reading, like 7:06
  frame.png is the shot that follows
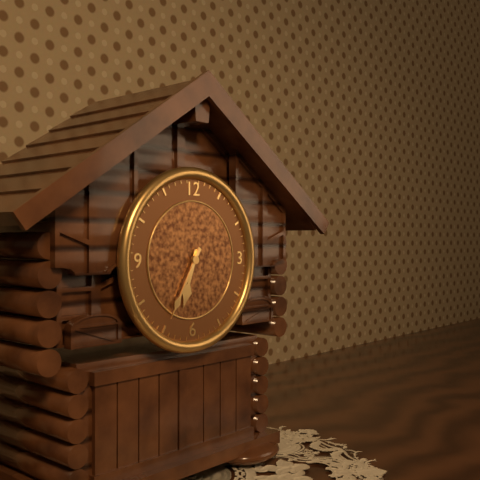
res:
6:35
